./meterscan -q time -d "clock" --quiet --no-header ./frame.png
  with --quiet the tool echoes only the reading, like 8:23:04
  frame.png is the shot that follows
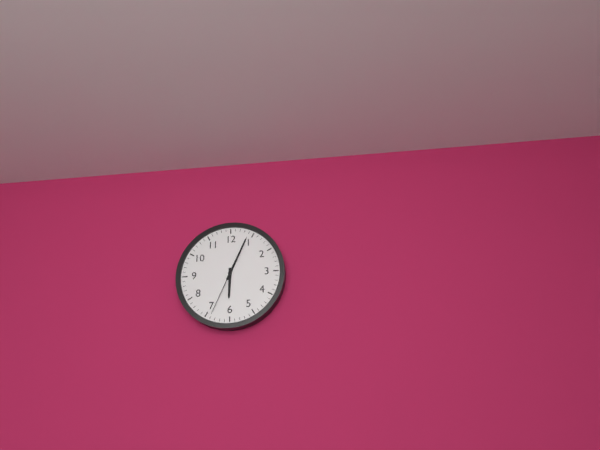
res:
6:04:34
